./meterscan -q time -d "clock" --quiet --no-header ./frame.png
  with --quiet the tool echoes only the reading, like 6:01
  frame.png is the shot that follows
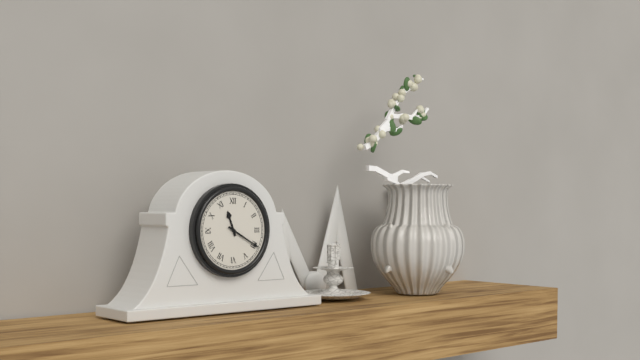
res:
11:20
